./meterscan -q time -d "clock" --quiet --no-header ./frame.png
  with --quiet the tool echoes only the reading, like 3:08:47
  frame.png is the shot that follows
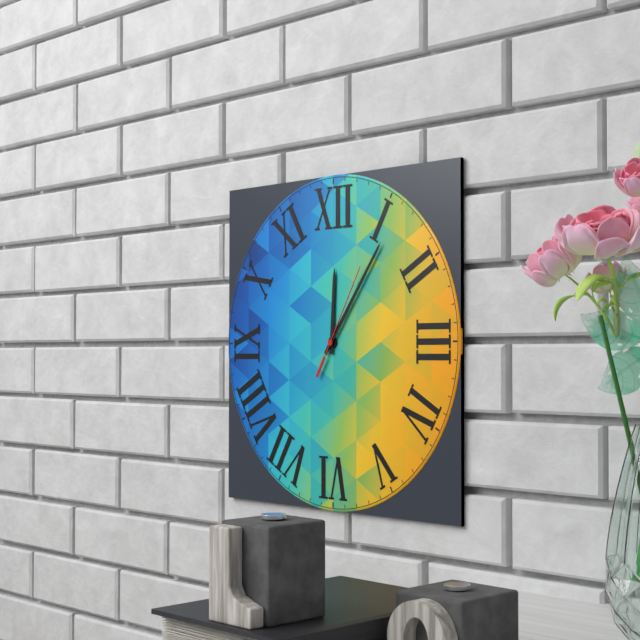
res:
12:06:05
